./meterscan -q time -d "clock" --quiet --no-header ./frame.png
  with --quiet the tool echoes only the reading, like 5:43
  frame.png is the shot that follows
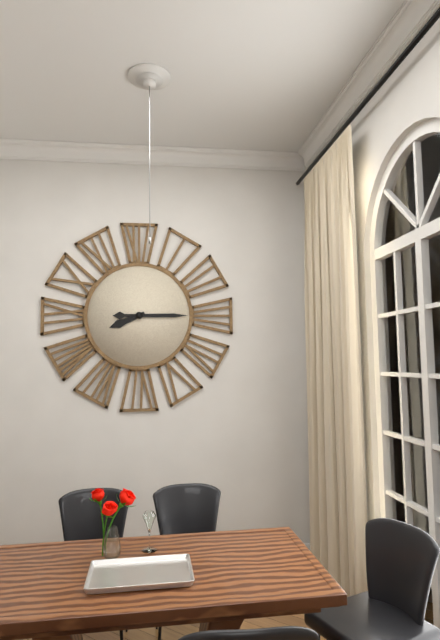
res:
8:15
